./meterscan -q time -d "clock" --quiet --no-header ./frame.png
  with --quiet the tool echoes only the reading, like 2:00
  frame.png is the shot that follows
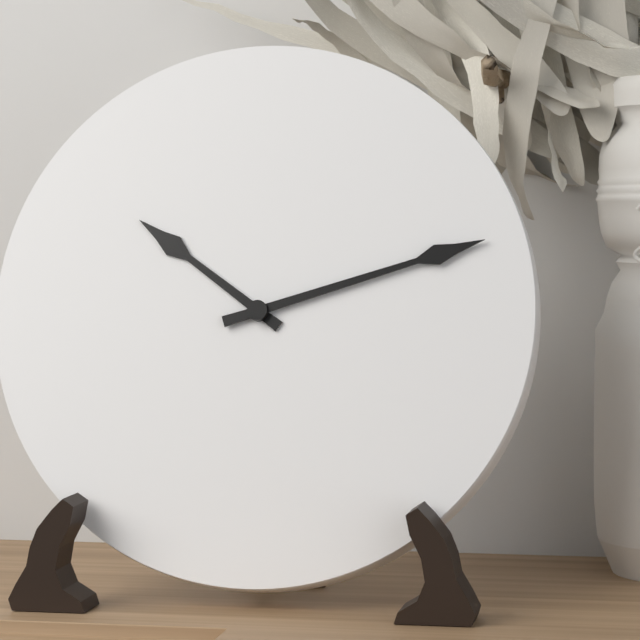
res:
10:12
